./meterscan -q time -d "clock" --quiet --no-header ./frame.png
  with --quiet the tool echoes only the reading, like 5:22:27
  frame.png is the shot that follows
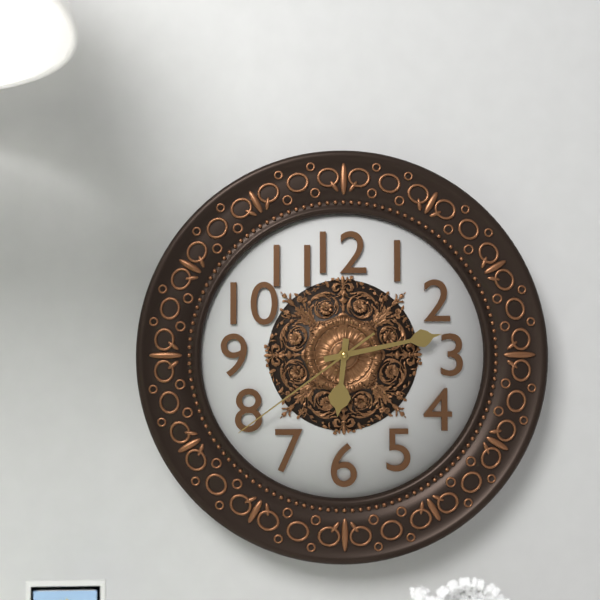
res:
6:13:39
